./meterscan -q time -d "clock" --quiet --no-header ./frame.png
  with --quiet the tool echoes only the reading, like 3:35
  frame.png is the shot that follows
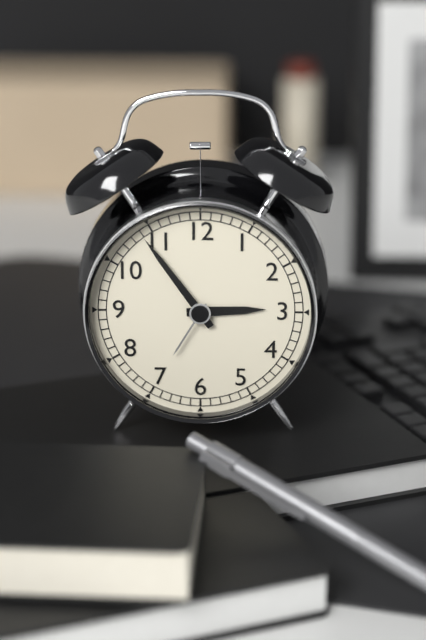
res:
2:54
